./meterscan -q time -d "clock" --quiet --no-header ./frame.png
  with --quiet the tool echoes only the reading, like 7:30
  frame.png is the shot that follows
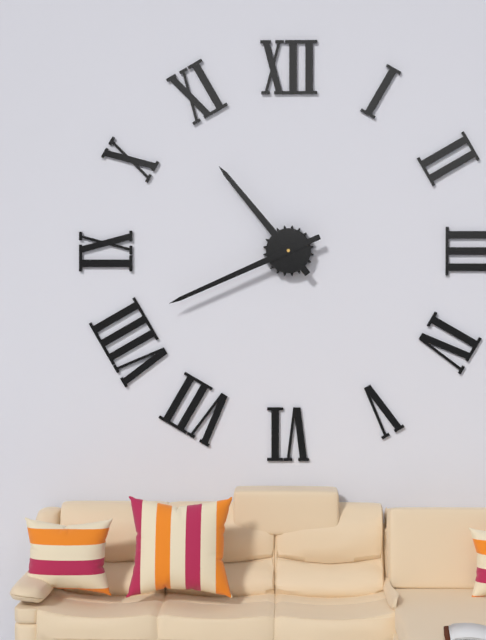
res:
10:41
